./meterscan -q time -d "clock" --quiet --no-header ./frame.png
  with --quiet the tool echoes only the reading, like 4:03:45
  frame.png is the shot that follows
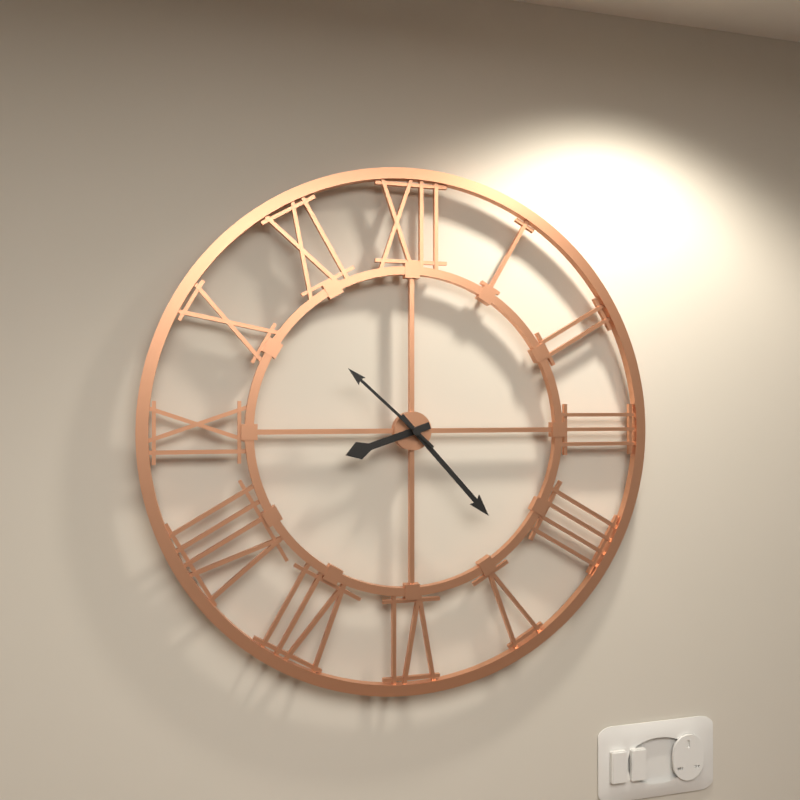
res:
8:23:52
